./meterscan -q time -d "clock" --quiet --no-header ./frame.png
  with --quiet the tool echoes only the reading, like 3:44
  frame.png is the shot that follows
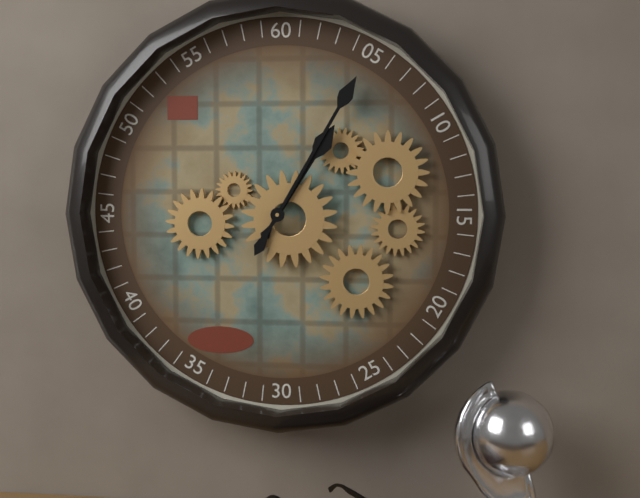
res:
1:05
